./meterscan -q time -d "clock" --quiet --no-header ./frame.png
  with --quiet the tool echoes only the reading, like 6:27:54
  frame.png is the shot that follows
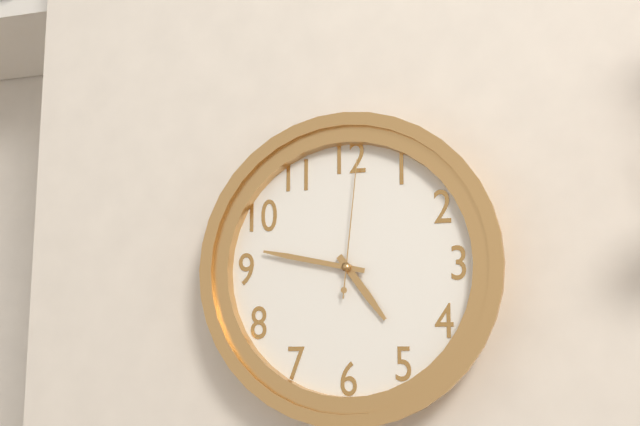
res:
4:47:01
